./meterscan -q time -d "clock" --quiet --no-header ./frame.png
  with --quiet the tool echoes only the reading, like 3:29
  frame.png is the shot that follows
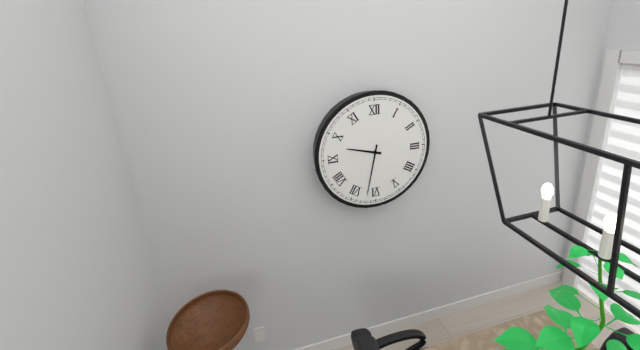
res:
9:32
